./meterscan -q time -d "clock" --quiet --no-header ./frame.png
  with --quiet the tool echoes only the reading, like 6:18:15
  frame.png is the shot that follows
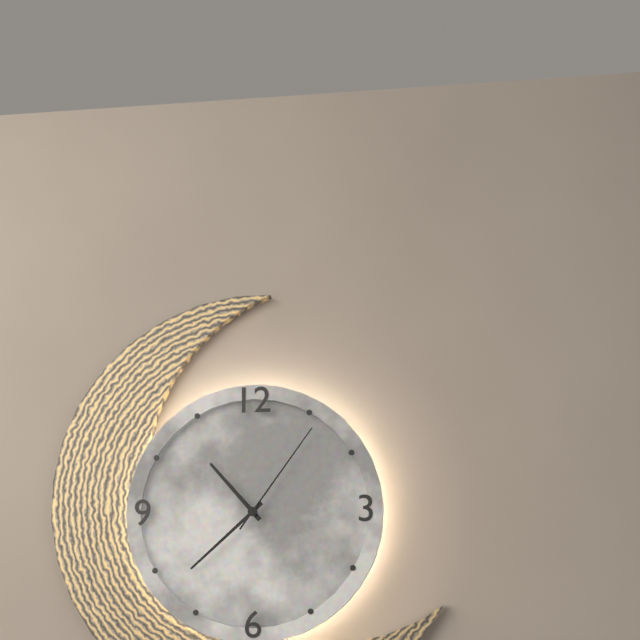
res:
10:38:06
